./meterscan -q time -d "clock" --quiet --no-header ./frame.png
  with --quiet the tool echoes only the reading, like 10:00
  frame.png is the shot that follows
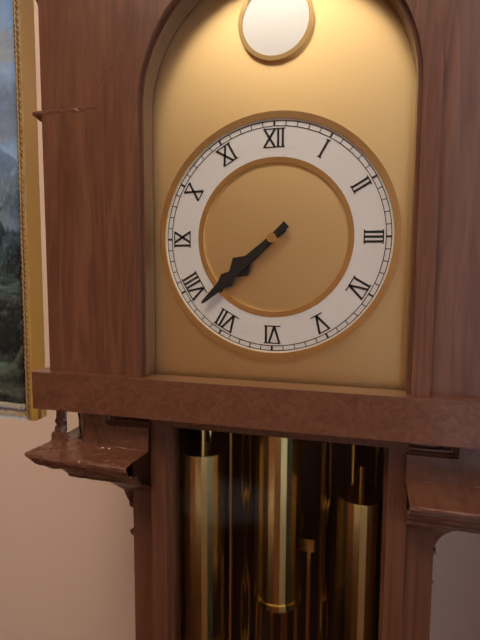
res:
7:38
